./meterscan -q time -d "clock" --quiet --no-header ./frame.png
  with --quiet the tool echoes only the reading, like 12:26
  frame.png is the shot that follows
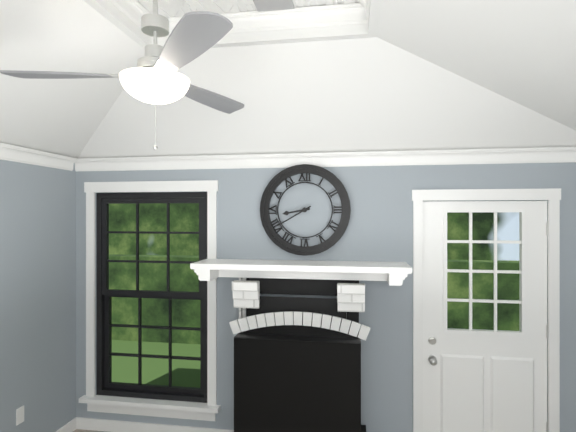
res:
8:40
